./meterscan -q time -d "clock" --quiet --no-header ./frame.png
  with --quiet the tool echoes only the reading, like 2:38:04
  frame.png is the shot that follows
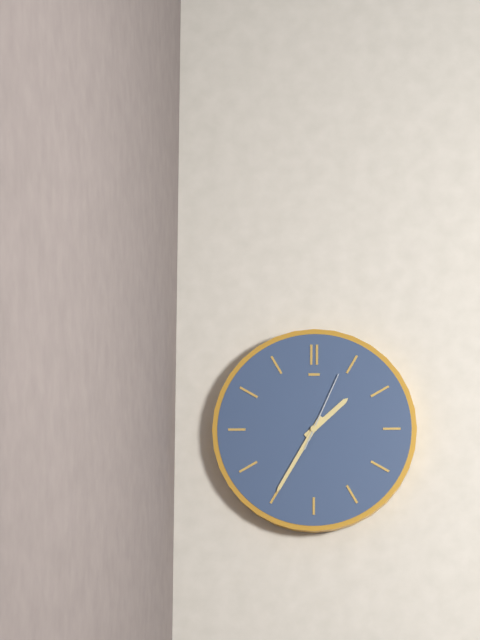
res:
1:35:04
